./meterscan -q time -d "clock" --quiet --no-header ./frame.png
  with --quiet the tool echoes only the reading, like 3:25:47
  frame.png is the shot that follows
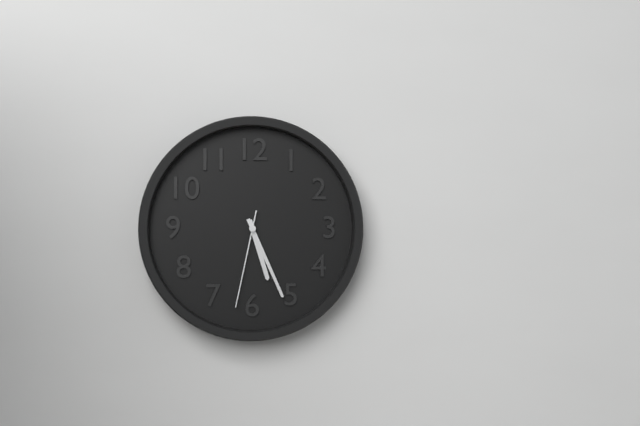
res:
5:26:32
